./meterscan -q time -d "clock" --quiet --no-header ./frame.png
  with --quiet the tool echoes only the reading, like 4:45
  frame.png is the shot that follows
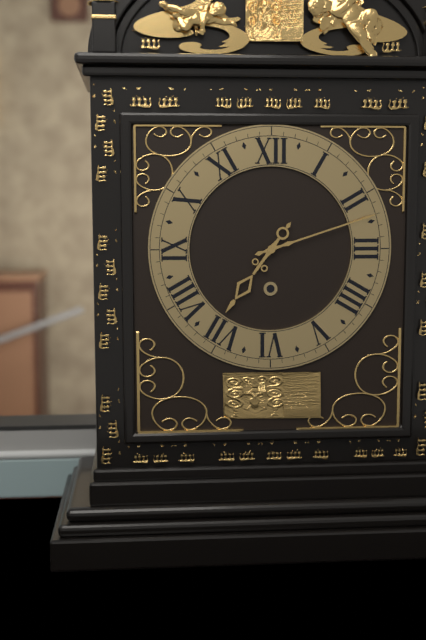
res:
7:12
